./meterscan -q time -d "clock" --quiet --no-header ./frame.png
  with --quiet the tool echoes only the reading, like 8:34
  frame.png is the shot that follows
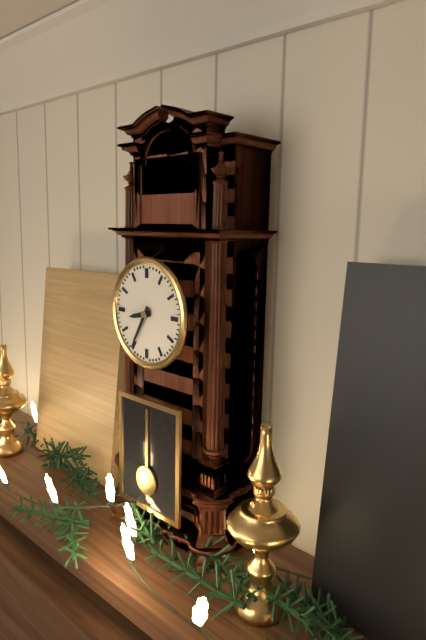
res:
8:35
